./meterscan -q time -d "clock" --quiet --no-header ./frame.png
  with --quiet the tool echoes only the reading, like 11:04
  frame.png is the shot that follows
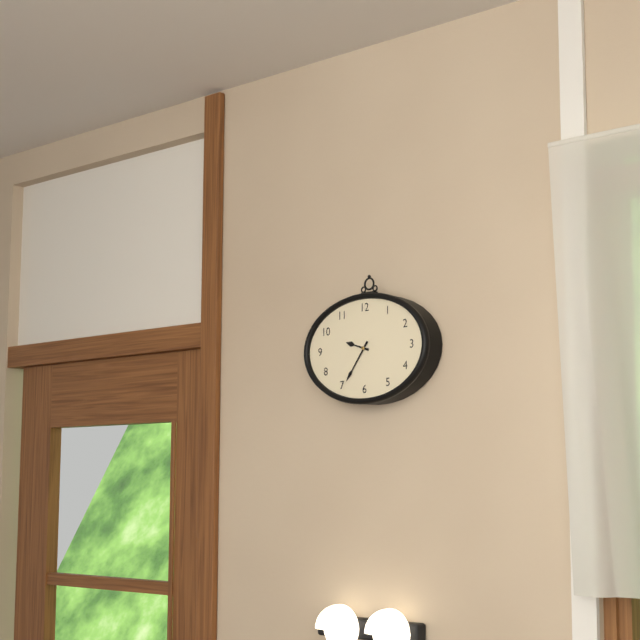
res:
9:36
